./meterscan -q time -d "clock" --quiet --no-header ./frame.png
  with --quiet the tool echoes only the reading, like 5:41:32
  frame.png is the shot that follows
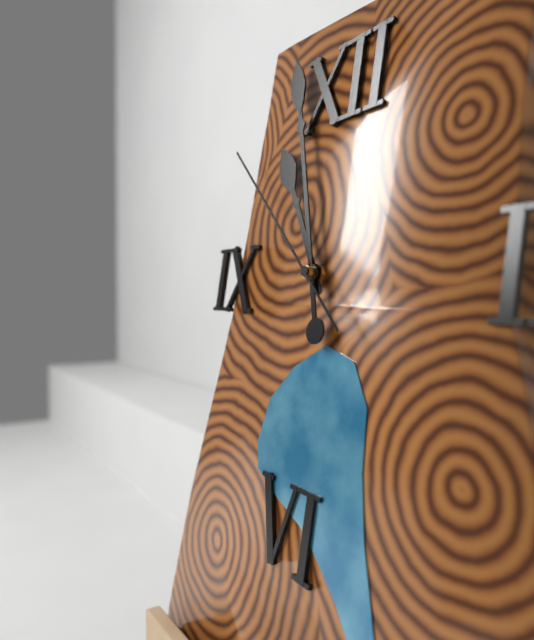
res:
10:57:52
